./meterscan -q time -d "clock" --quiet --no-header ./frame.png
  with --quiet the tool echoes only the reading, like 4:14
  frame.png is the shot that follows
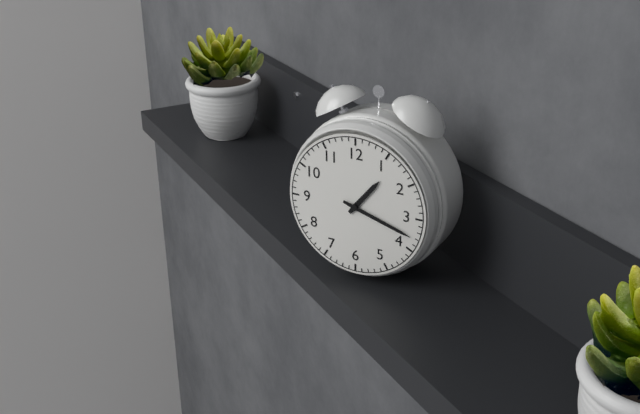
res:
1:18
